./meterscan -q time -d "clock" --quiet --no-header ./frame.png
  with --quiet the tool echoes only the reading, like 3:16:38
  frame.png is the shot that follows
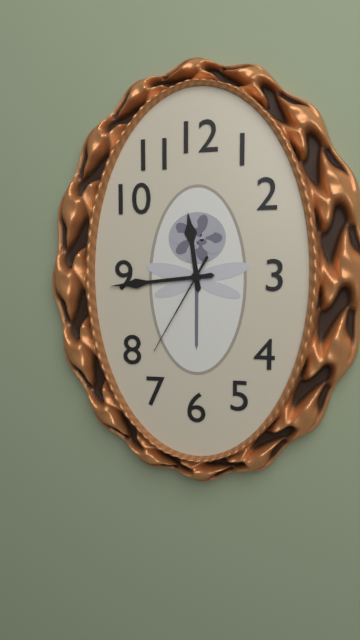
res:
11:44:35
